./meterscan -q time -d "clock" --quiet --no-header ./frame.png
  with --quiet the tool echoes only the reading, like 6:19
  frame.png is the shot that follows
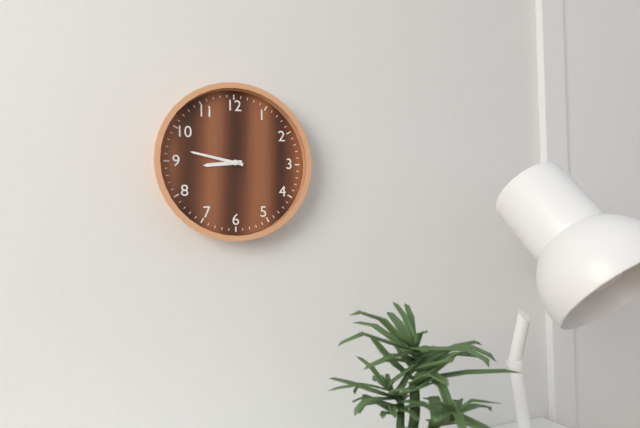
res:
8:47
